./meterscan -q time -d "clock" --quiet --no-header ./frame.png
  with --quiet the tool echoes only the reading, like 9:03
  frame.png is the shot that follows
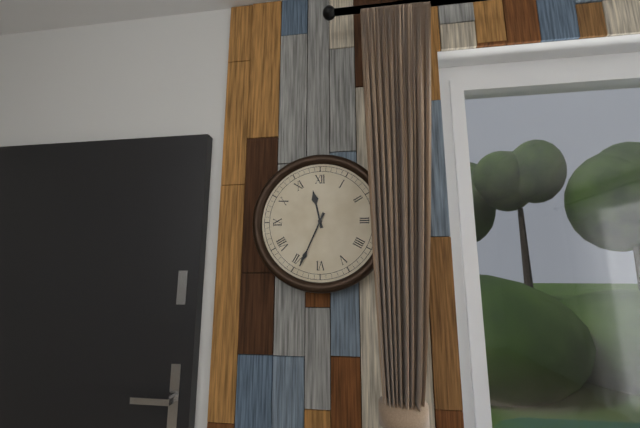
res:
11:34
